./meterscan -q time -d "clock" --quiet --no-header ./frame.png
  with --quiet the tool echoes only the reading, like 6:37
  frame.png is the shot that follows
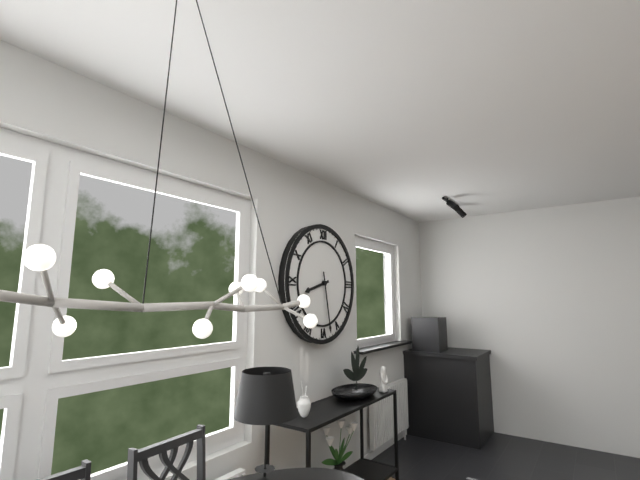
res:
8:28
